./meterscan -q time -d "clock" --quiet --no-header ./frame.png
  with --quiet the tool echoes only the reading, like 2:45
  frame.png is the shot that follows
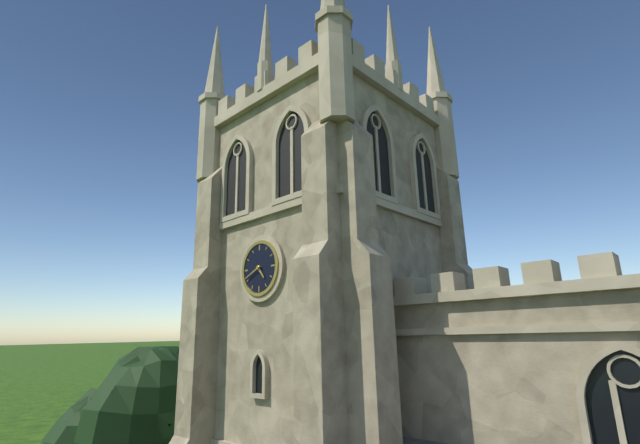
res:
4:41
